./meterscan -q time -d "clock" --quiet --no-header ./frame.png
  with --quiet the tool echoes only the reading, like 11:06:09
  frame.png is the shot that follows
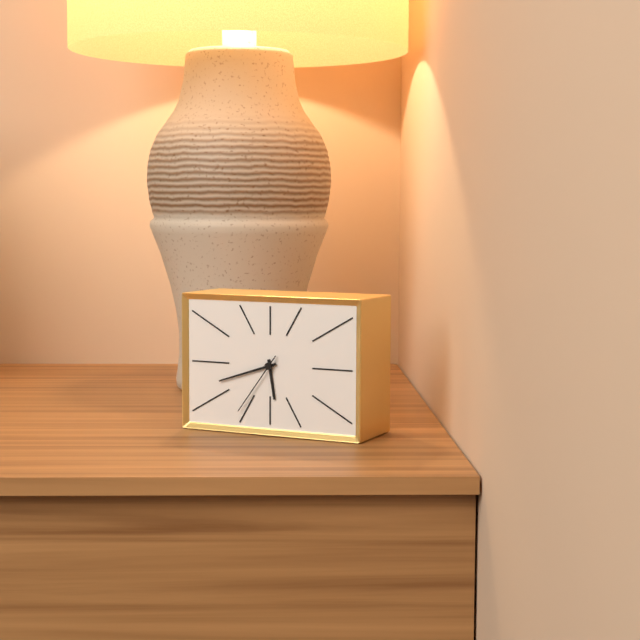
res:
5:42:36
